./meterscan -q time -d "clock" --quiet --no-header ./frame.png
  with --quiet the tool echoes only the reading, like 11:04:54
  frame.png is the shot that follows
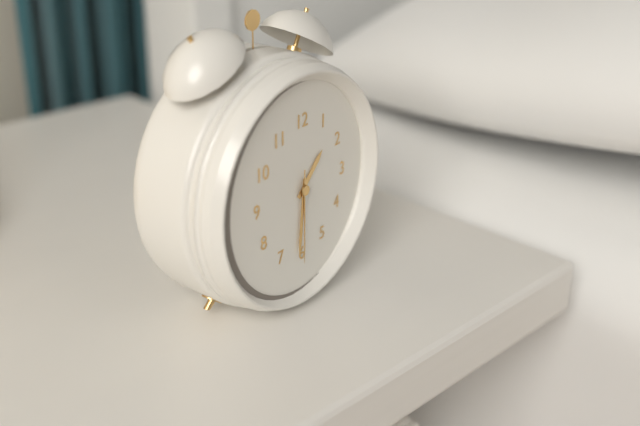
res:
1:31:30
